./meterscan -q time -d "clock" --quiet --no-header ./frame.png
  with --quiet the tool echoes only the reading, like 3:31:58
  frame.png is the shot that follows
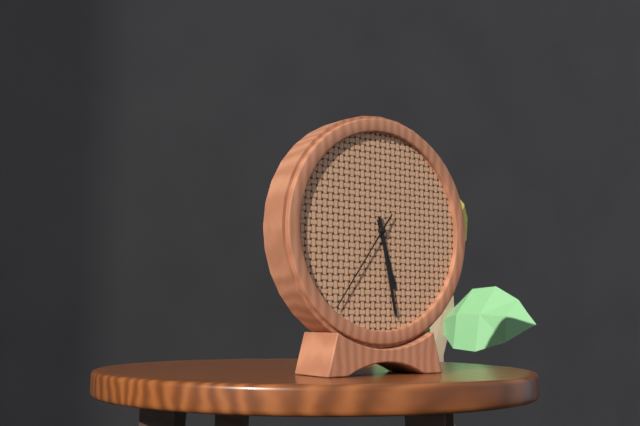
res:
5:28:36
